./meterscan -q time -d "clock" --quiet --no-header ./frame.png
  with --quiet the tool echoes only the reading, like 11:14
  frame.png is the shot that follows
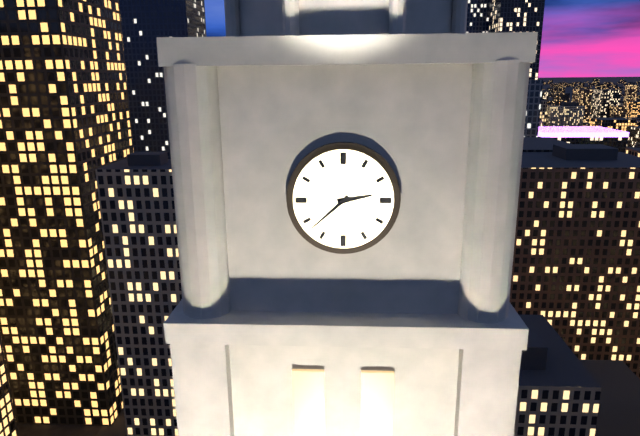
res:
2:38
